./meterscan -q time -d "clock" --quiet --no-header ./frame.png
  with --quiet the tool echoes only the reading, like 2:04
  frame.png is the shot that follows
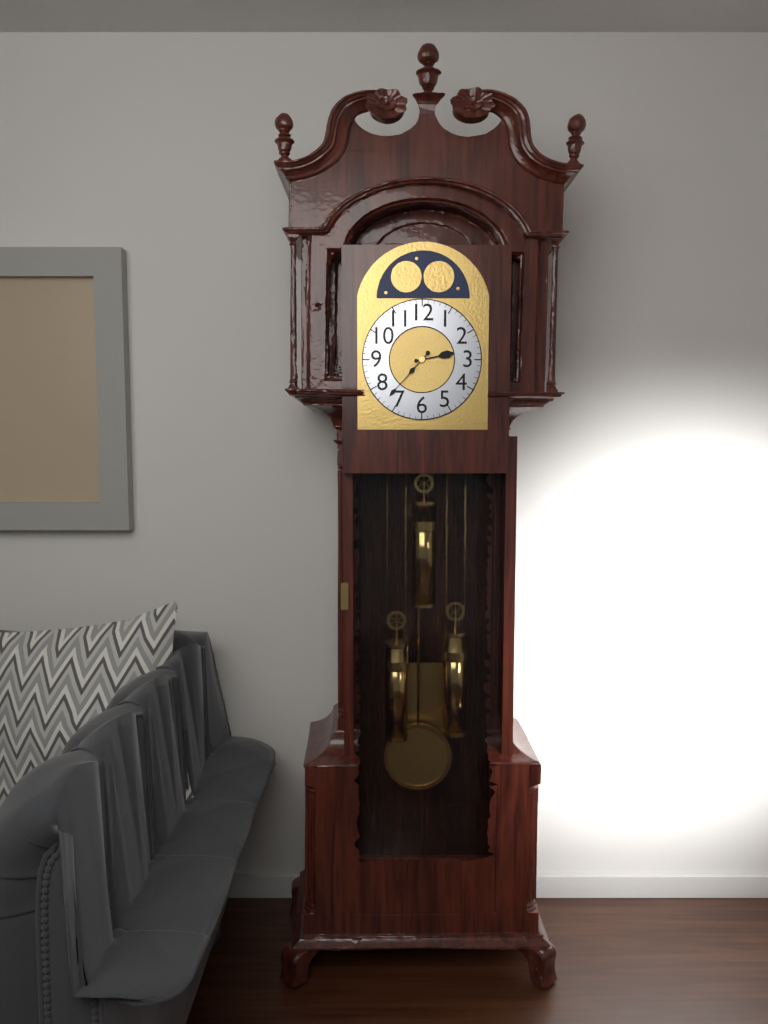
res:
2:37
